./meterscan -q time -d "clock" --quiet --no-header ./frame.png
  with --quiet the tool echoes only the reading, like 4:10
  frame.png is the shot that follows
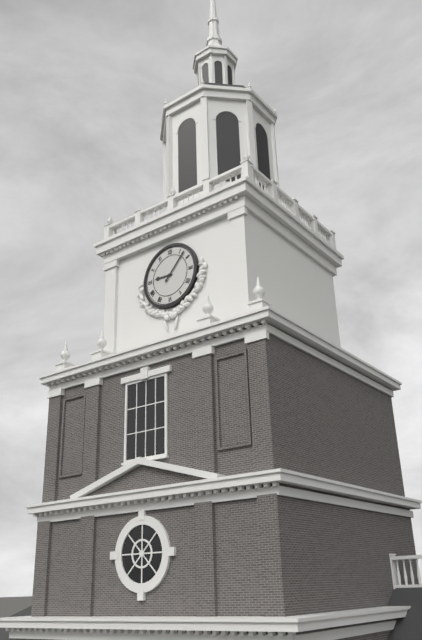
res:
9:07
